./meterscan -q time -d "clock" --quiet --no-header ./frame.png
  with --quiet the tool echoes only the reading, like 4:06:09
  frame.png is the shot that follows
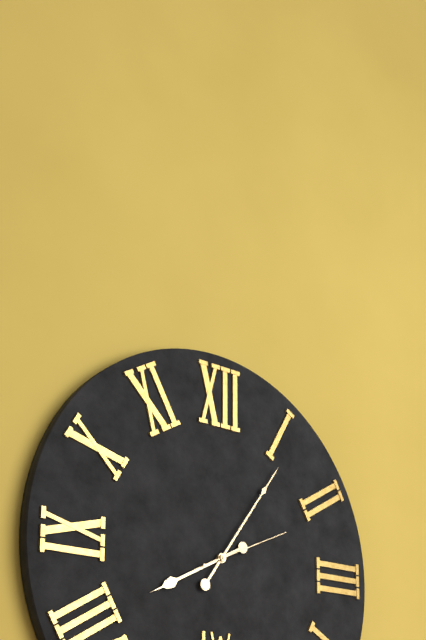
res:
8:06:11
